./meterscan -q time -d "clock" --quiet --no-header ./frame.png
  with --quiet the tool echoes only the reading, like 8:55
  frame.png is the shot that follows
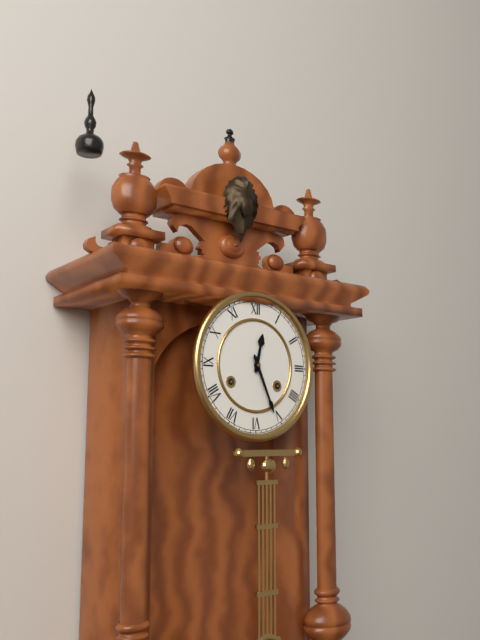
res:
12:26
